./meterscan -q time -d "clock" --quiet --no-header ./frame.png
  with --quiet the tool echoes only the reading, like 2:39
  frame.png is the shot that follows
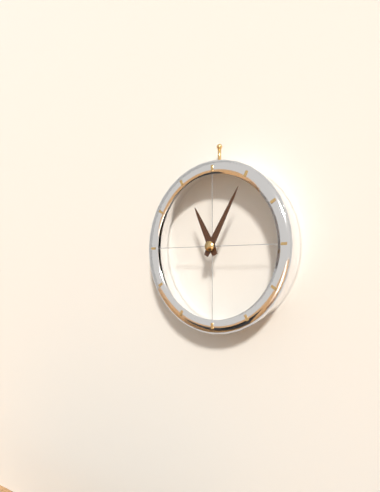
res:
11:05
